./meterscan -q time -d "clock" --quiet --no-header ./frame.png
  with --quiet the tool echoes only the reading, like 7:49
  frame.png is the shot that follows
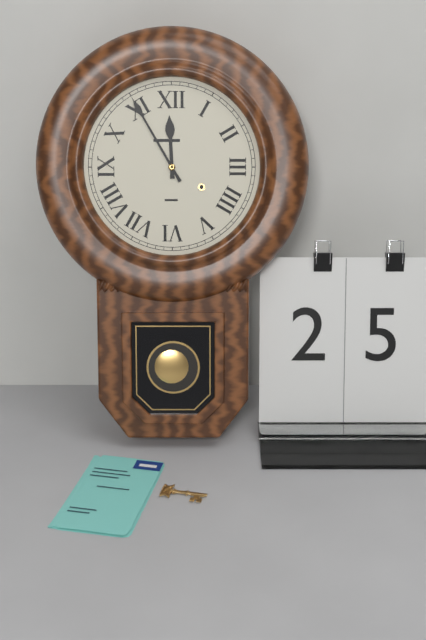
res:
11:55
